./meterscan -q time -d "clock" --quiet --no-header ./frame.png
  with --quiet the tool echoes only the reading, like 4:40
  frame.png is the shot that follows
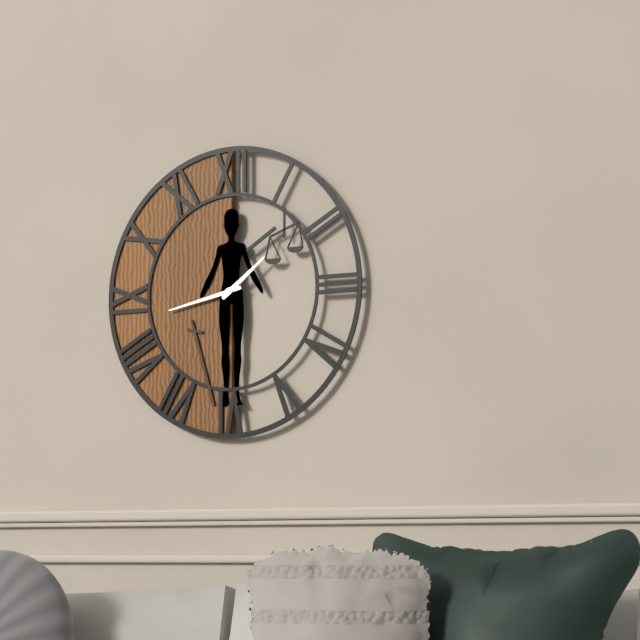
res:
1:43
